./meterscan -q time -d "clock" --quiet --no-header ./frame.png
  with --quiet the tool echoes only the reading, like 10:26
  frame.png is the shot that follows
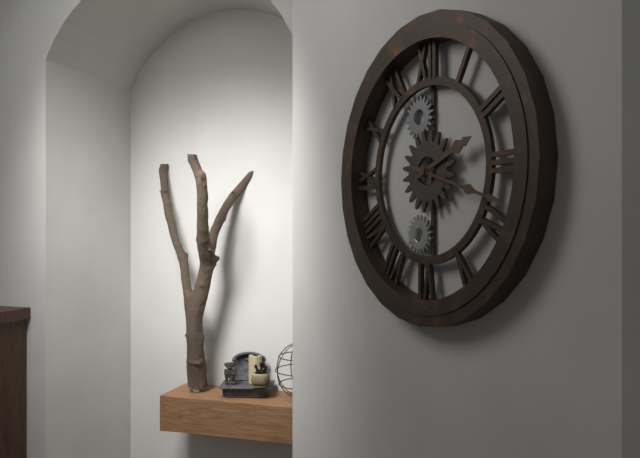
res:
2:18
